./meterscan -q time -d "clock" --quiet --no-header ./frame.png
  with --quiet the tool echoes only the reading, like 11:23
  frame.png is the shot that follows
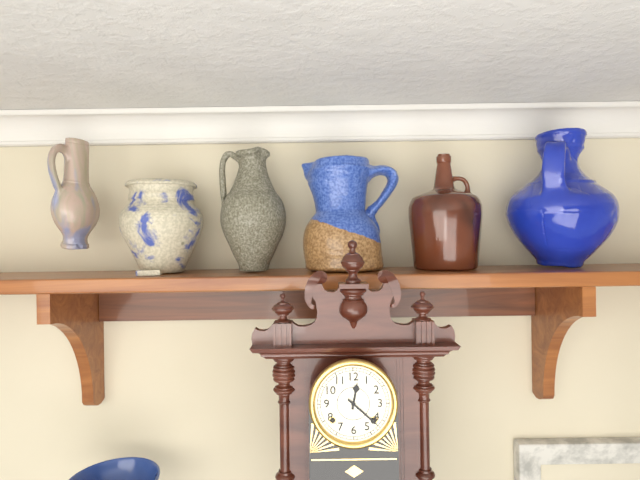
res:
12:22
